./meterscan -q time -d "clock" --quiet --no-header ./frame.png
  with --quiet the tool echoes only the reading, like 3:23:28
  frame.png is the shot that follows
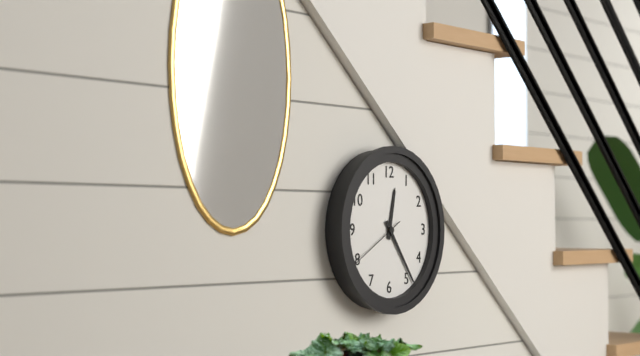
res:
12:24:40
